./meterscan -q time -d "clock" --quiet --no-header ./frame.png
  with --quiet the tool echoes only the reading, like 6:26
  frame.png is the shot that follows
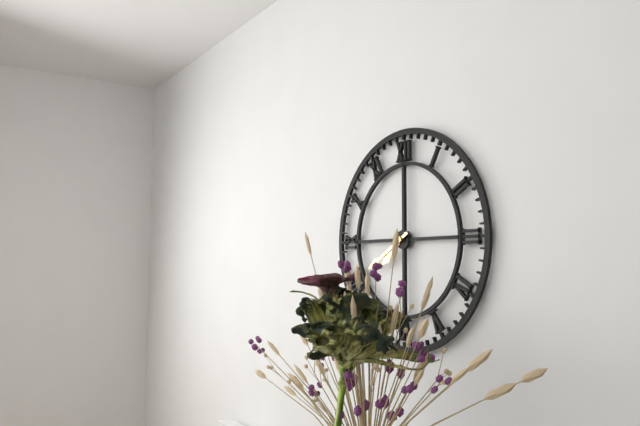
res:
7:40
